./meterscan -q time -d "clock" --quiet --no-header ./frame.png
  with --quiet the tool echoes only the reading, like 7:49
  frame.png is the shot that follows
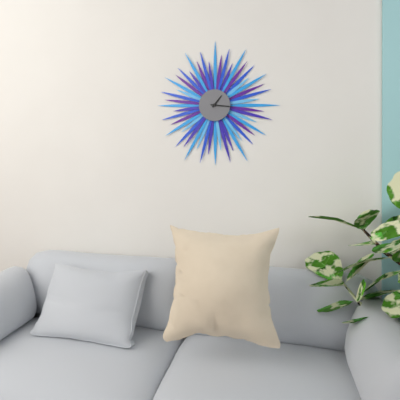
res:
1:16
